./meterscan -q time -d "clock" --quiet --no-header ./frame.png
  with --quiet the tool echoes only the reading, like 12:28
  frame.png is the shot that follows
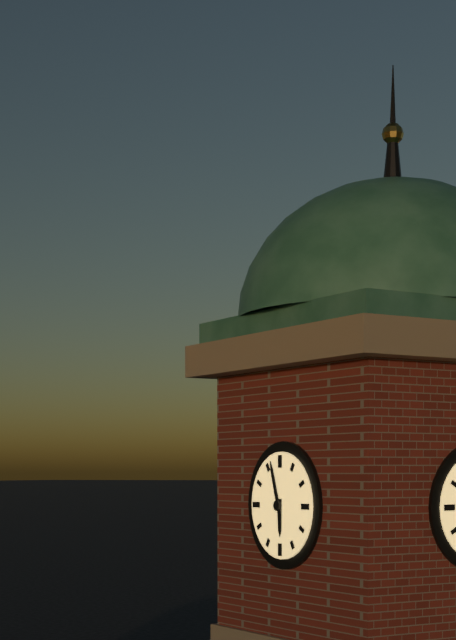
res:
5:57
